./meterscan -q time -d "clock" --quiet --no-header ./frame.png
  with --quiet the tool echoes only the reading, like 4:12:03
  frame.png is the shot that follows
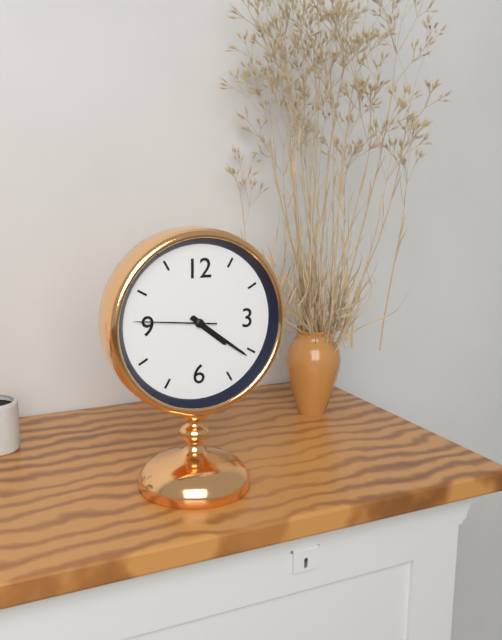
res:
4:21:46
